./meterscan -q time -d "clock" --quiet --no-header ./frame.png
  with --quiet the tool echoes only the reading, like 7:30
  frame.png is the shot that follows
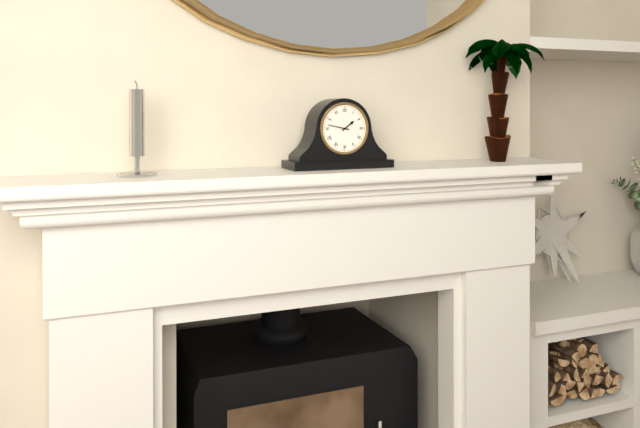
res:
1:47
